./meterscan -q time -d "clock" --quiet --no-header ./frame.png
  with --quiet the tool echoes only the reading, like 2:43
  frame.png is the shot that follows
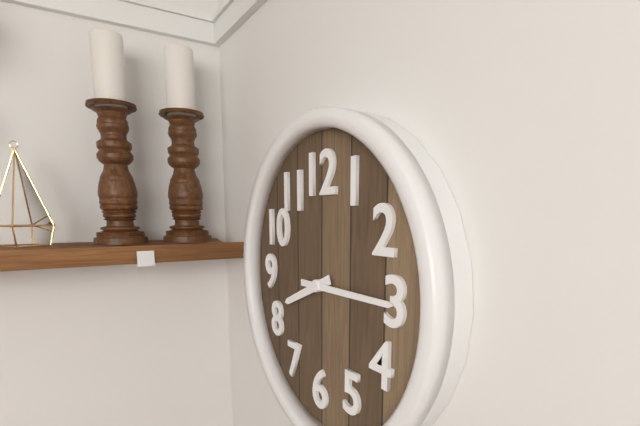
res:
8:15
